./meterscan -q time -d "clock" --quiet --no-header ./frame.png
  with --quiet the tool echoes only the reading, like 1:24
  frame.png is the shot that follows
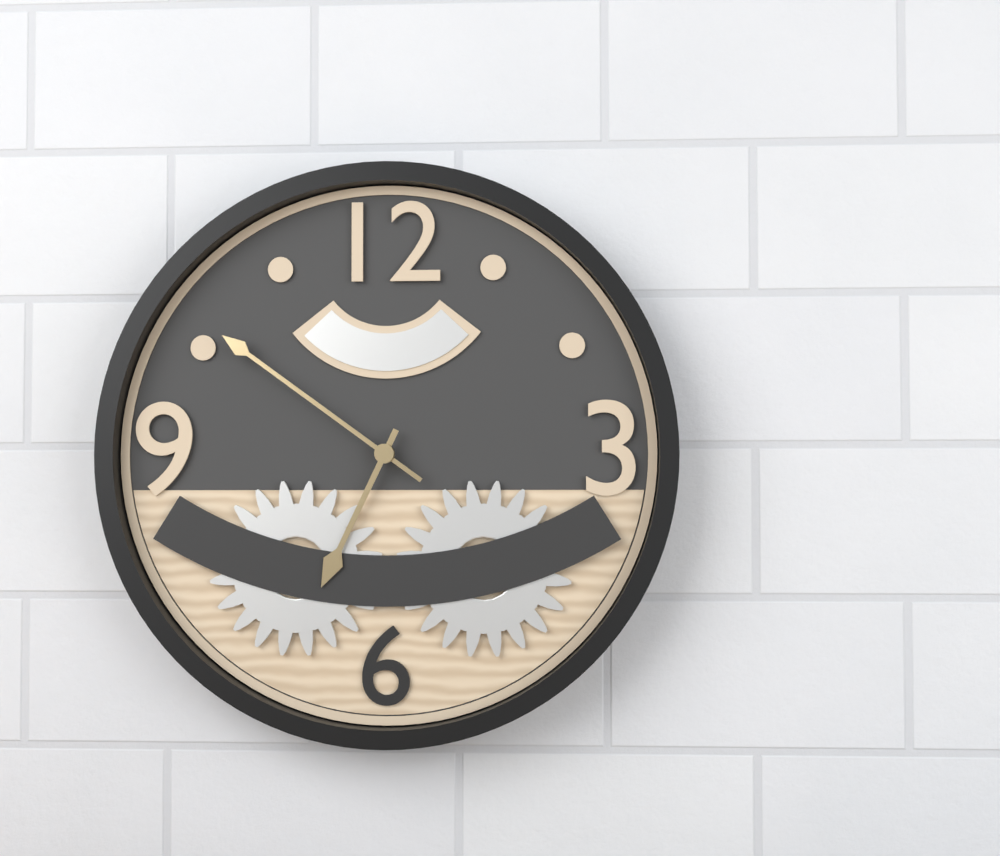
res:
6:51
